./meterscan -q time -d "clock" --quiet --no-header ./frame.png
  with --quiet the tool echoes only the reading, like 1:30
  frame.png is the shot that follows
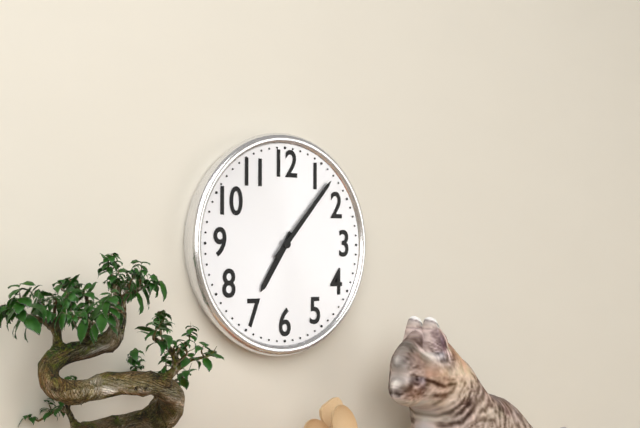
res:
7:07
